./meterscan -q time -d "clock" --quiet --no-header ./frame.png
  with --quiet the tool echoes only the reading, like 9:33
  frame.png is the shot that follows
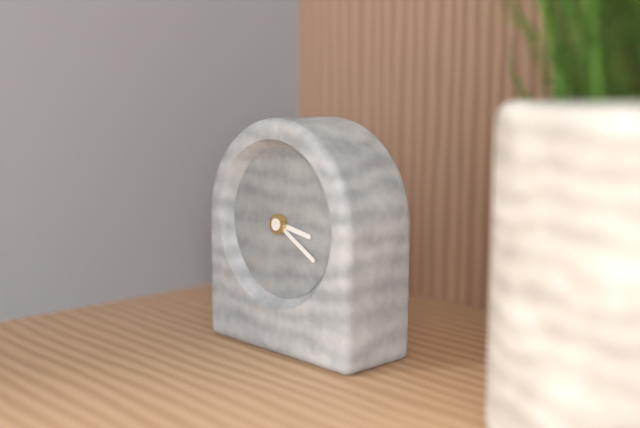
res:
3:20
